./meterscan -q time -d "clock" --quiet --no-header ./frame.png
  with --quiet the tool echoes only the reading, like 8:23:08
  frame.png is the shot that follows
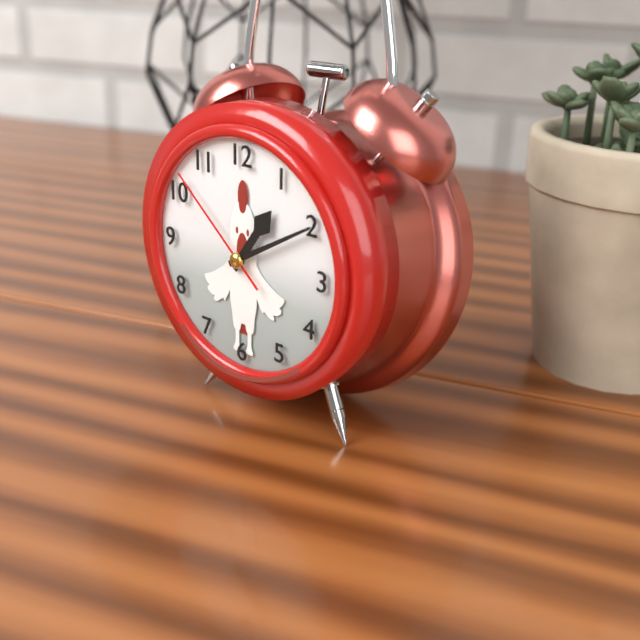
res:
1:10:52
